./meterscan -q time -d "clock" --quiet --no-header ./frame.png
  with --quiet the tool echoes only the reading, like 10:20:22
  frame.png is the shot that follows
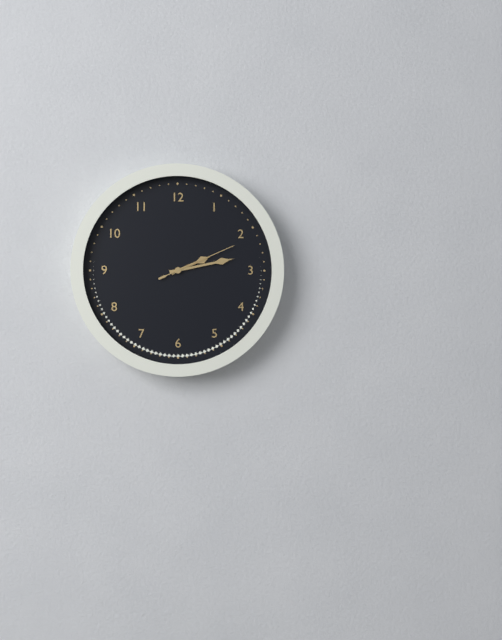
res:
2:13:11
